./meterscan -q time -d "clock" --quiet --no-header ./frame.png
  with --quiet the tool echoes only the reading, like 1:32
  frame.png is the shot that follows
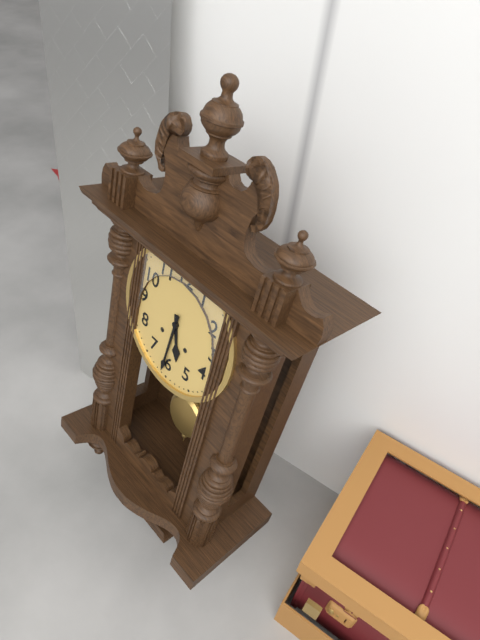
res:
5:31
